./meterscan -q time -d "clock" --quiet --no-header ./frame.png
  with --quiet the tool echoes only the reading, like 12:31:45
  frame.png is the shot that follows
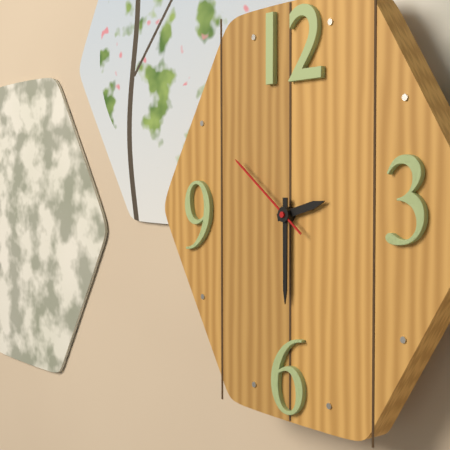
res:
2:30:51
